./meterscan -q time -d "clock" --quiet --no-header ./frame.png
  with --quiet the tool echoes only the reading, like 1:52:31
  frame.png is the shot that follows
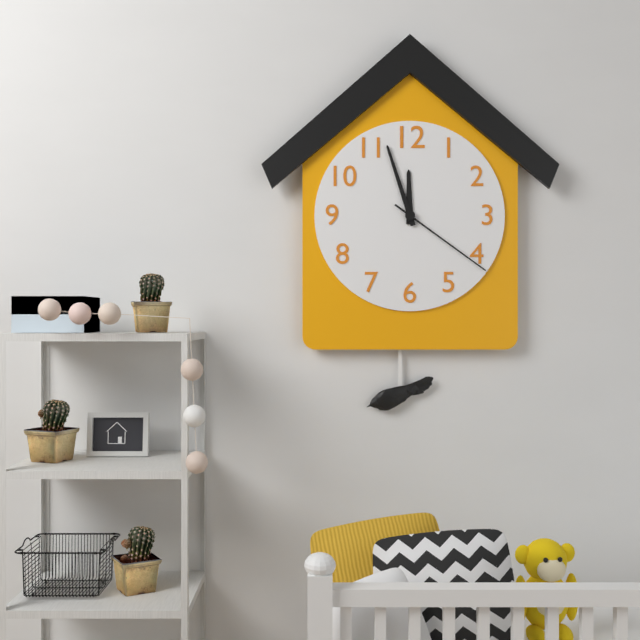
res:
11:57:21
